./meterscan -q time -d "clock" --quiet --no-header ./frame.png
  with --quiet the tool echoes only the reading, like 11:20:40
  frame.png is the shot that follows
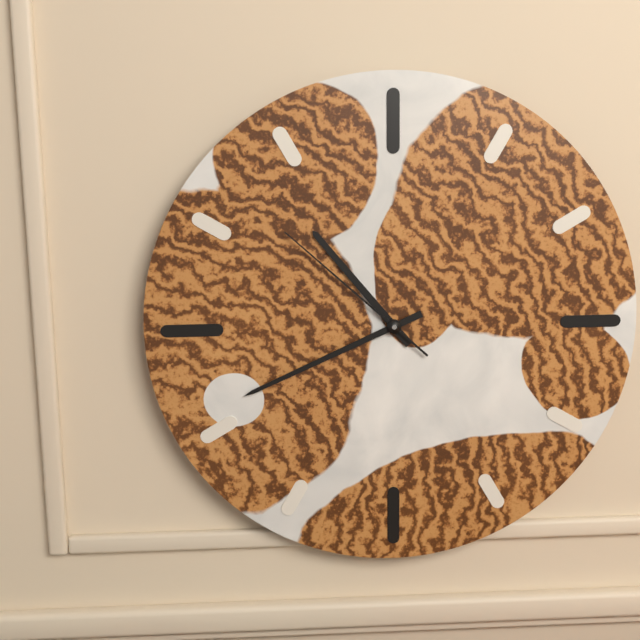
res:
10:41:52
